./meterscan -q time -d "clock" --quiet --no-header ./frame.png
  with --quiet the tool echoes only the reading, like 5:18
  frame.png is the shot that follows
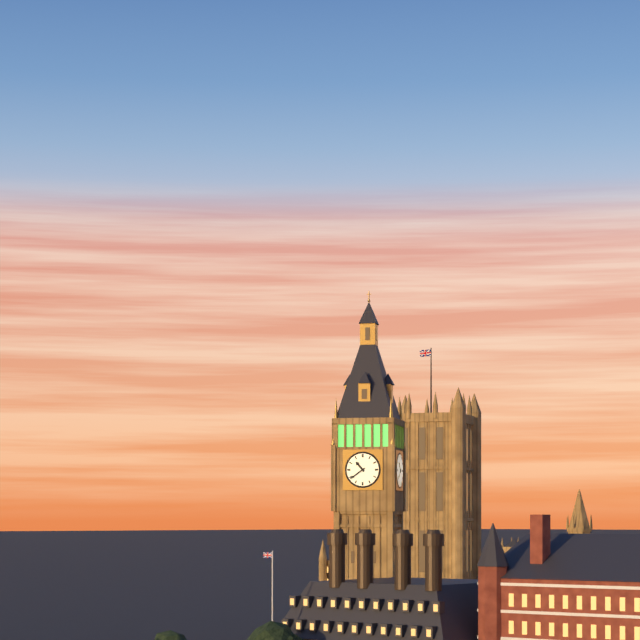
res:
10:39
